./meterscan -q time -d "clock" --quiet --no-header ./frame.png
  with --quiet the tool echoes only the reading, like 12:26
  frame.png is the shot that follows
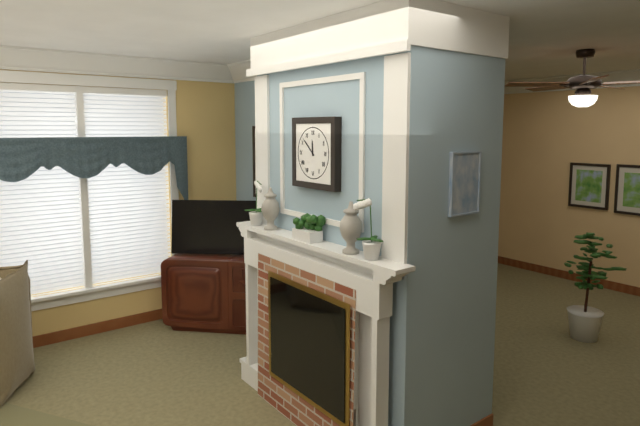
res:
11:52
